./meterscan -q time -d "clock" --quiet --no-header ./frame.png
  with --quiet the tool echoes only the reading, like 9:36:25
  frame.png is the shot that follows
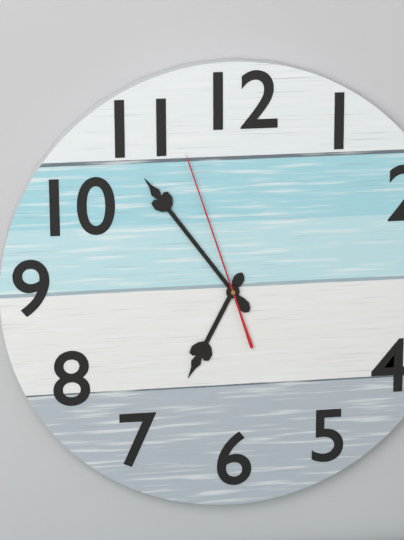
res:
6:54:57
